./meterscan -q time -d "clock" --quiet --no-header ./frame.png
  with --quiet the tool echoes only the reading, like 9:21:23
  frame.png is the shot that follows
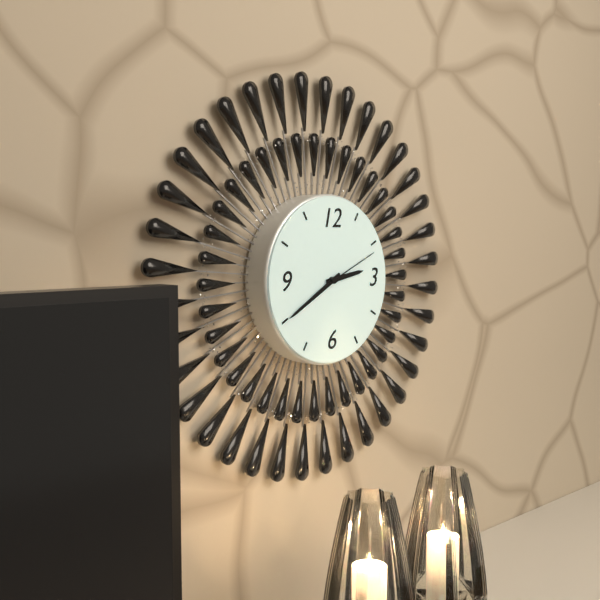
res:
2:40:11
